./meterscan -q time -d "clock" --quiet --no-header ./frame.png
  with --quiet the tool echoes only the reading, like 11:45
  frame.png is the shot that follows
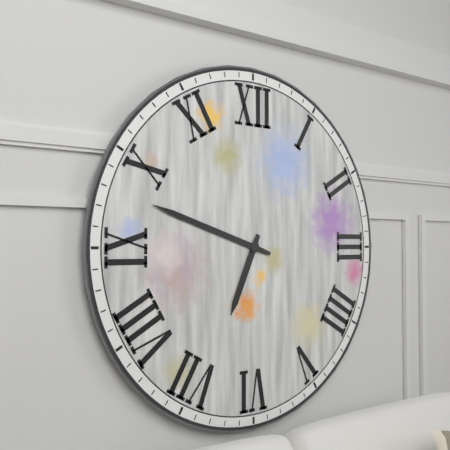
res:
6:48
